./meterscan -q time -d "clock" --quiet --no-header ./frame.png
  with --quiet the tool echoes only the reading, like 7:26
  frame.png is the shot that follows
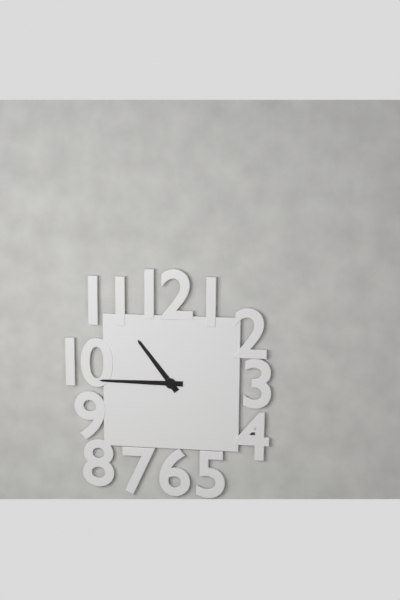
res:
10:45
